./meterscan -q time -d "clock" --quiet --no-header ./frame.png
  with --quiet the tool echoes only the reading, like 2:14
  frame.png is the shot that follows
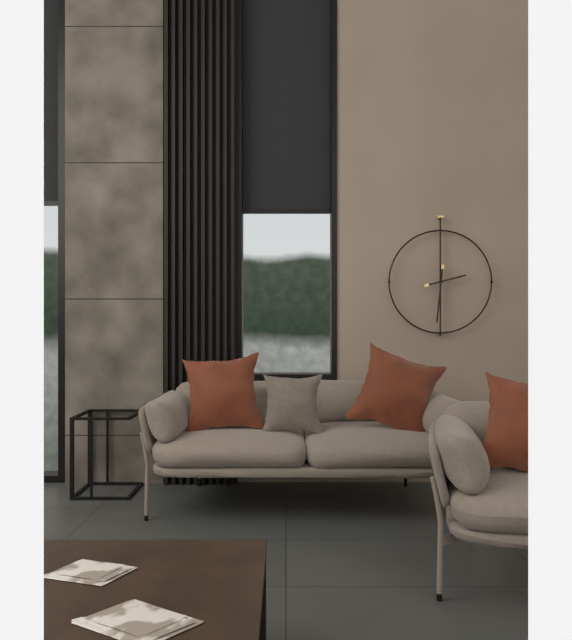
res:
2:31
